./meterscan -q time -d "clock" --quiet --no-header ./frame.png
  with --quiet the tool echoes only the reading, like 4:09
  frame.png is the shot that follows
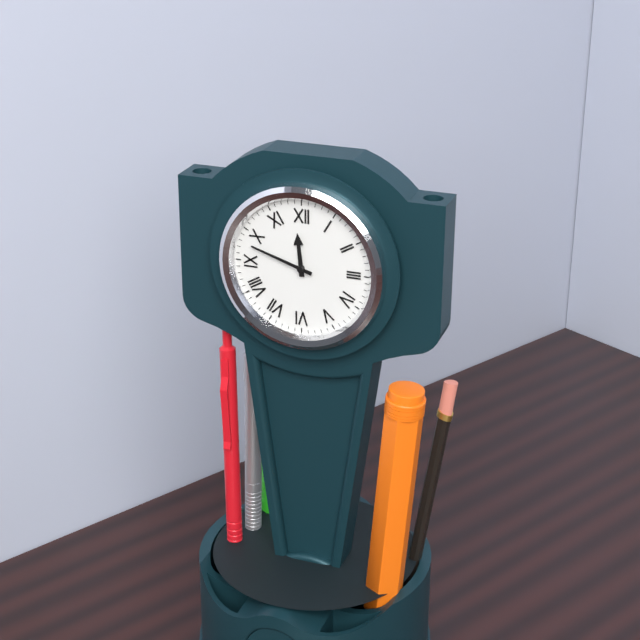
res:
11:48
